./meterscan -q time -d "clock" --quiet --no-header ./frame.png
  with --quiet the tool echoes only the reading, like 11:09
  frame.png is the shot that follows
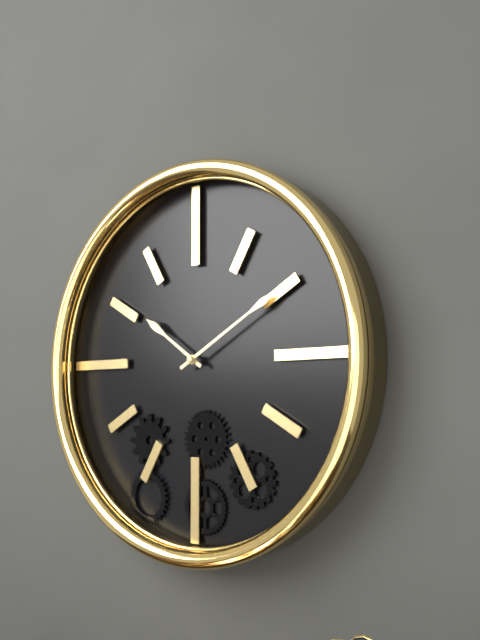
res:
10:10
